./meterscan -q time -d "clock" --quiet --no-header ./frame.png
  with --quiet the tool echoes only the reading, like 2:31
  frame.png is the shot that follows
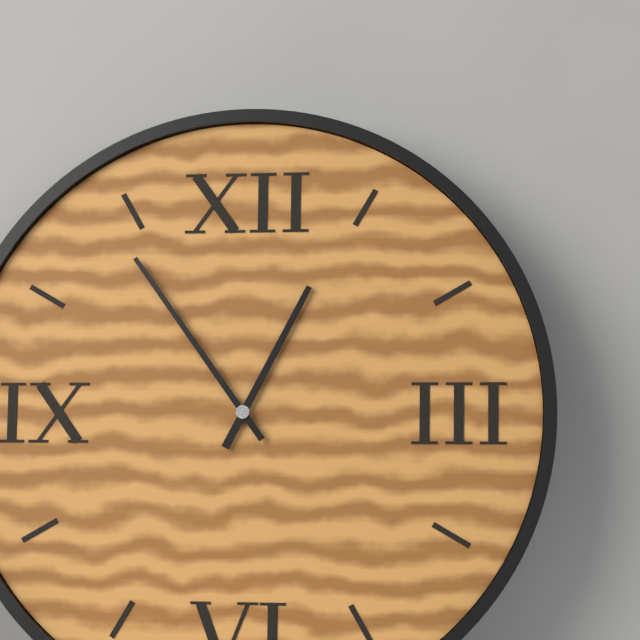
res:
12:54
